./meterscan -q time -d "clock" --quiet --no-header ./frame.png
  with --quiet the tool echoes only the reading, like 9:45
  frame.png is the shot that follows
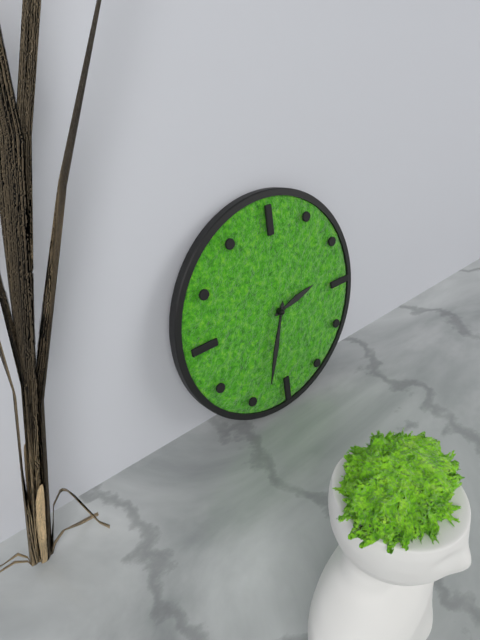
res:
2:33
